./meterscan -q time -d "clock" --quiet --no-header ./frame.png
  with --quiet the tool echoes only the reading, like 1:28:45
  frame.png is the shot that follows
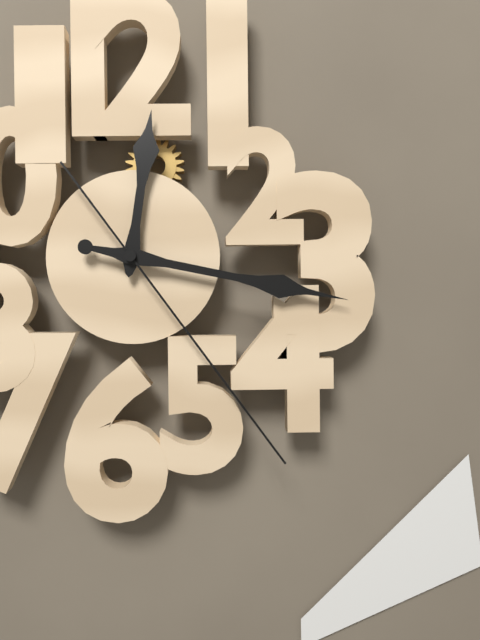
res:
12:17:24
